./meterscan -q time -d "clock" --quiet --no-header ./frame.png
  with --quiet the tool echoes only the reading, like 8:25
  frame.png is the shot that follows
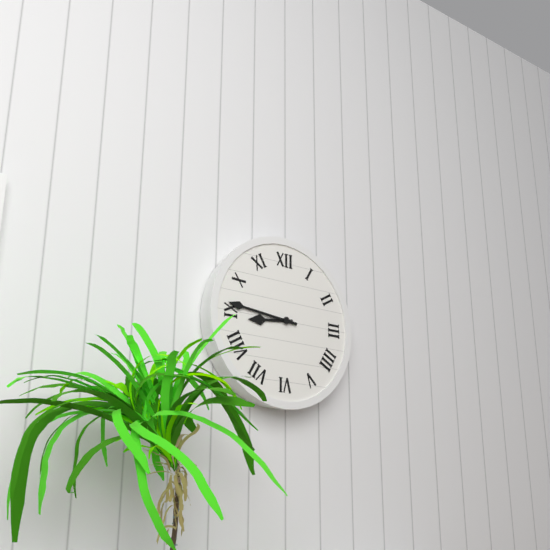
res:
8:46
